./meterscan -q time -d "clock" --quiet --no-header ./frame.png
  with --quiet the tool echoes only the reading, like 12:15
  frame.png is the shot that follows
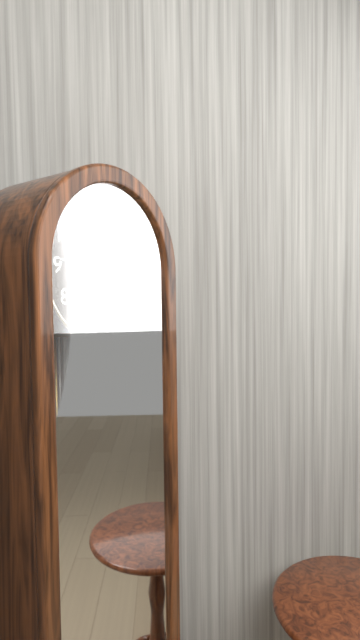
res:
9:46
